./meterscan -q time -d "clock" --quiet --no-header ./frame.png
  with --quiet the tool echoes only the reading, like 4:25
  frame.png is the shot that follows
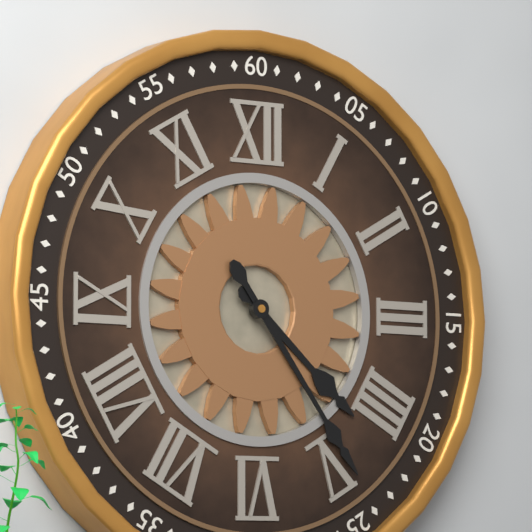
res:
4:24
